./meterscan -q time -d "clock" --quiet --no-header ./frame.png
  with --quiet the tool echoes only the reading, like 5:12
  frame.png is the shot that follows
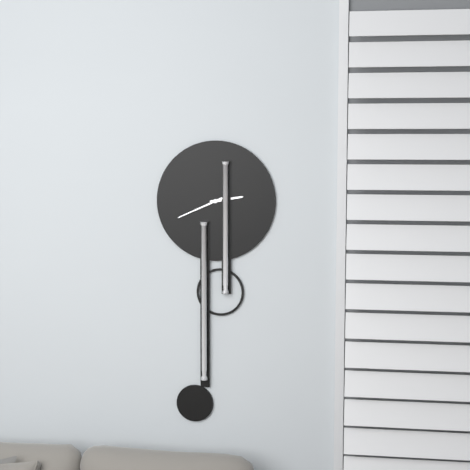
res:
2:41
